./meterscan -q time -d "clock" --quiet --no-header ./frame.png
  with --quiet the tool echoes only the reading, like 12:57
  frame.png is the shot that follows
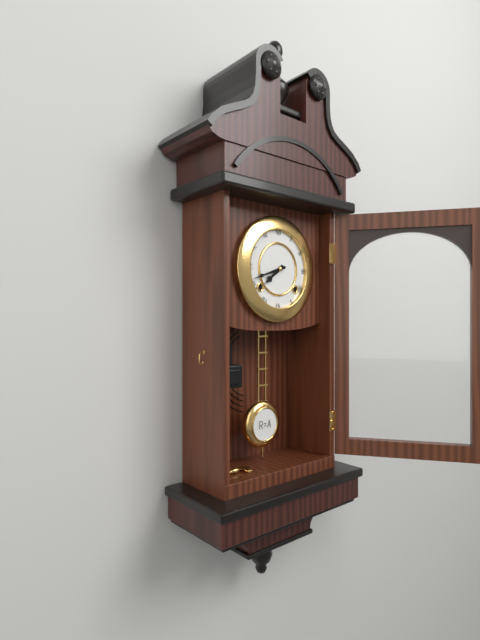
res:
7:42
